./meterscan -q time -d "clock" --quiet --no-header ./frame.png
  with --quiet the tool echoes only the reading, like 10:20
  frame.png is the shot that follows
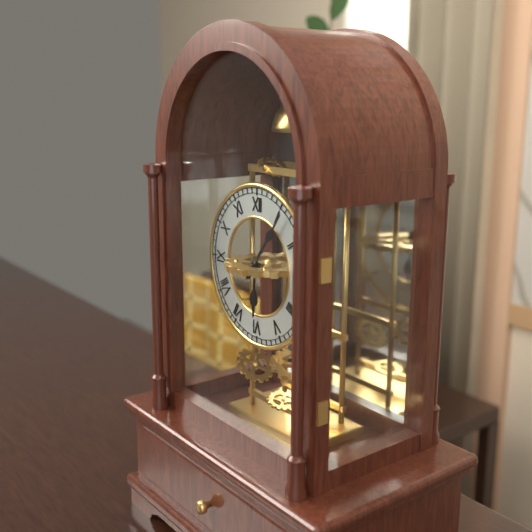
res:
6:06
